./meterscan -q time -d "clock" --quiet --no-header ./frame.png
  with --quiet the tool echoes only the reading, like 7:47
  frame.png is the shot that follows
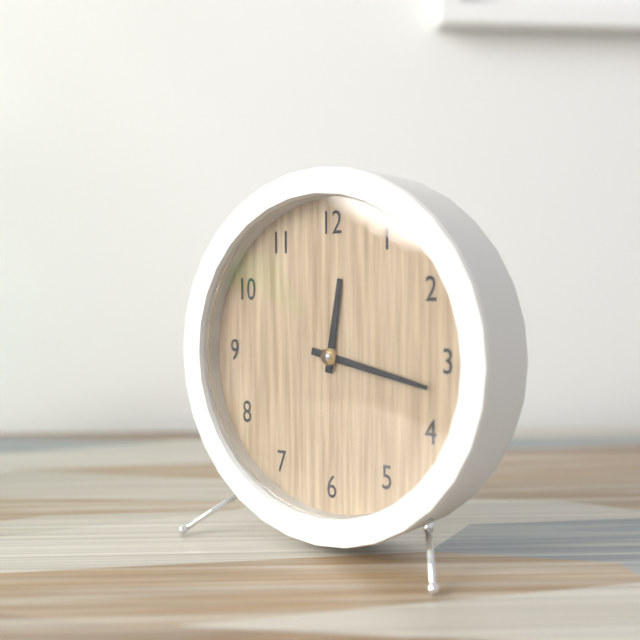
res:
12:17
